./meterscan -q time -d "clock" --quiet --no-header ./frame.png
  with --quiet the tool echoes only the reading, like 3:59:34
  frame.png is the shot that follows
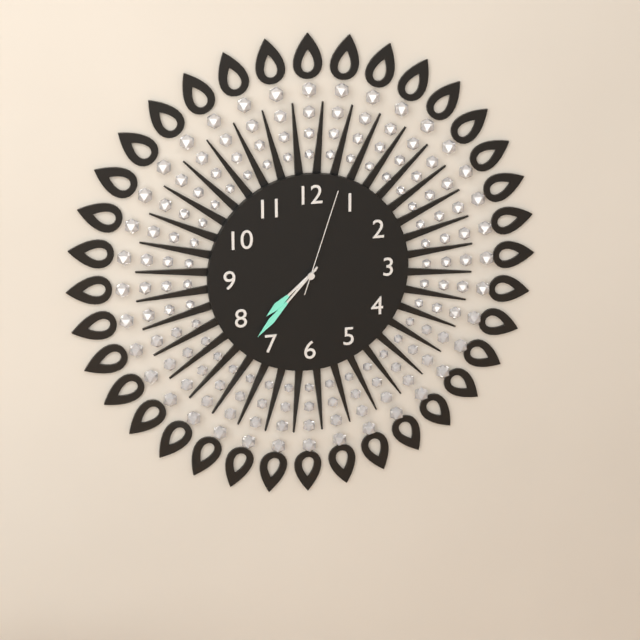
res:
7:37:03
